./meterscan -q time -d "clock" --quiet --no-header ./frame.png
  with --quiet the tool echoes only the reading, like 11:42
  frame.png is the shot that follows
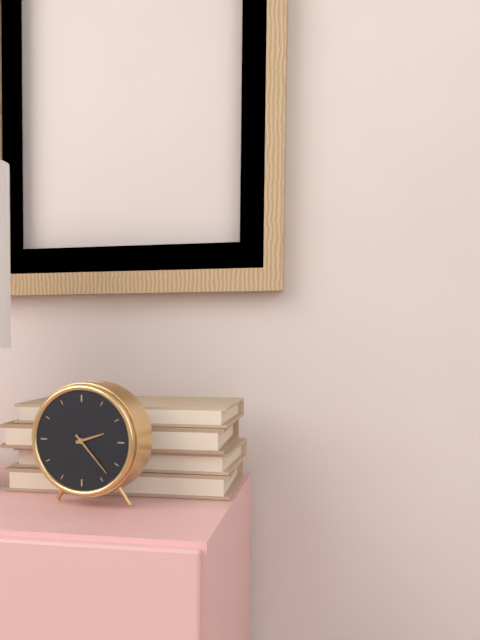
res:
2:23
